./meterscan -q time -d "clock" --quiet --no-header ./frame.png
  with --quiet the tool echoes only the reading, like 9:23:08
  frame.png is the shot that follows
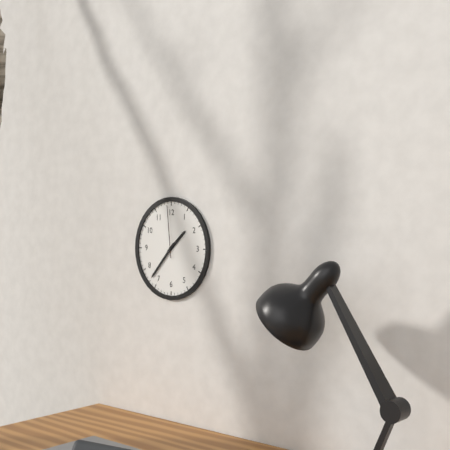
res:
1:37:59
